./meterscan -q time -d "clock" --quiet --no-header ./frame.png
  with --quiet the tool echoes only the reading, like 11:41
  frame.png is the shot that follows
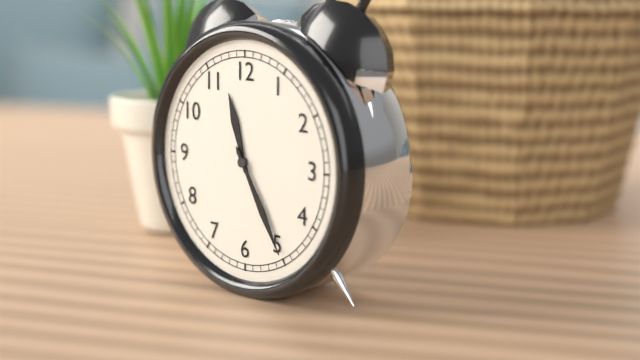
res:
11:25
